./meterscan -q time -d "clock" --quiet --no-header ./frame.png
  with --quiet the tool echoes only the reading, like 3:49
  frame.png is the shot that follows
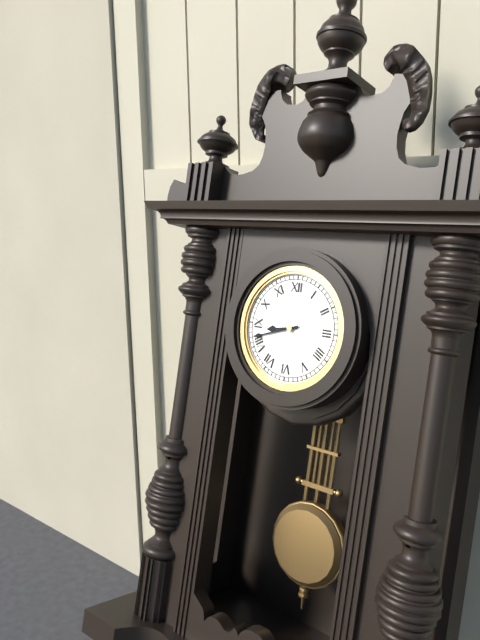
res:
8:42
